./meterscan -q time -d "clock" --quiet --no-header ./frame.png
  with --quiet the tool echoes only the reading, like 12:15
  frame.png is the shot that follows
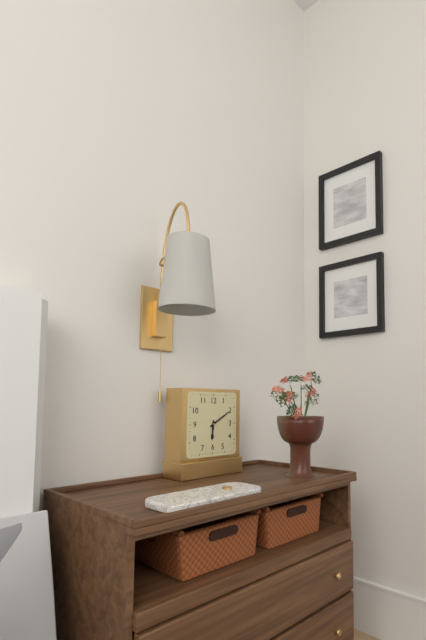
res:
6:10
